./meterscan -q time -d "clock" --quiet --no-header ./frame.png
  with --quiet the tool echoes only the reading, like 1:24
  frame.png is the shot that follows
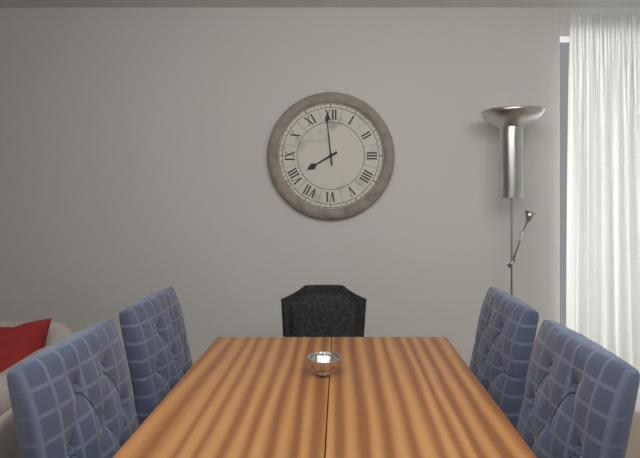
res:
7:59
